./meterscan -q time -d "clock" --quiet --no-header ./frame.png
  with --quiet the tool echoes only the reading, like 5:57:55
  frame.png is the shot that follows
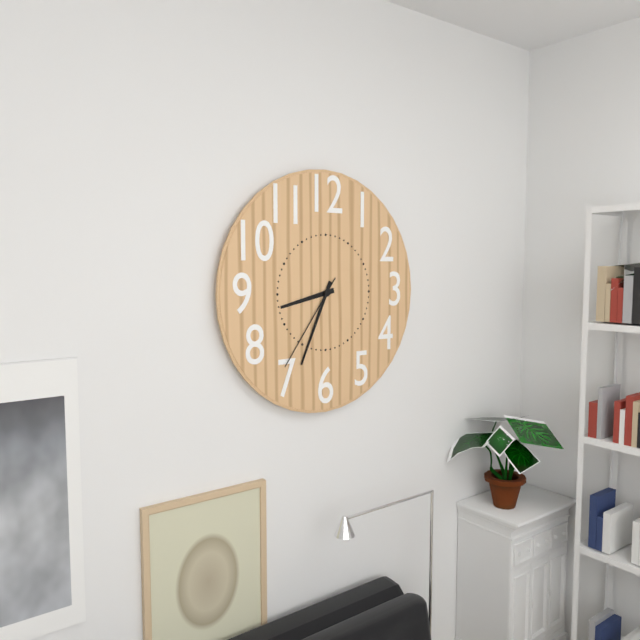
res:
8:34:36
